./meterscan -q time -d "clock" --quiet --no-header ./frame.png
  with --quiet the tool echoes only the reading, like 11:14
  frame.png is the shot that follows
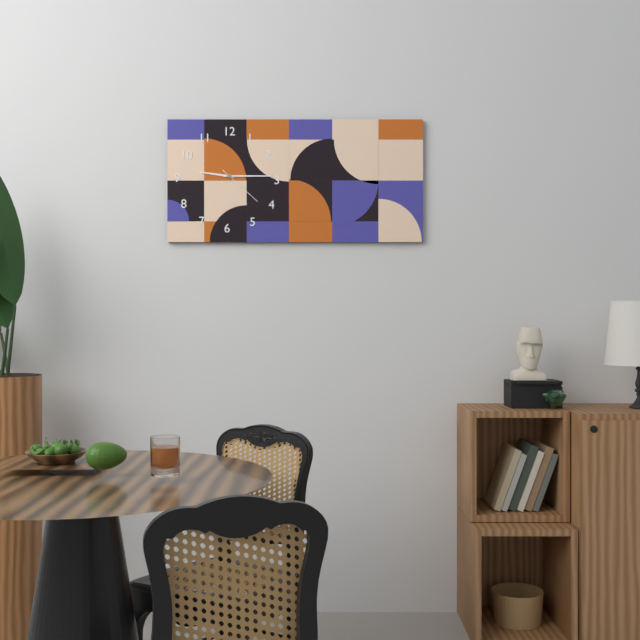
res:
9:15
